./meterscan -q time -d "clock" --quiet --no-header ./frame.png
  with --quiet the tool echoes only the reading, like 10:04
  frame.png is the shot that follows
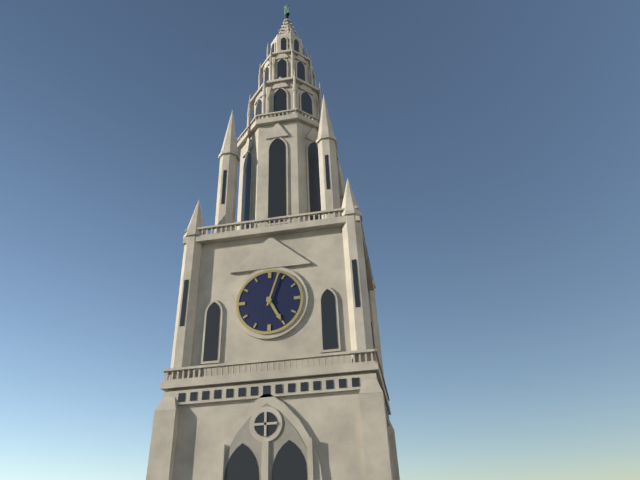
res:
5:03
